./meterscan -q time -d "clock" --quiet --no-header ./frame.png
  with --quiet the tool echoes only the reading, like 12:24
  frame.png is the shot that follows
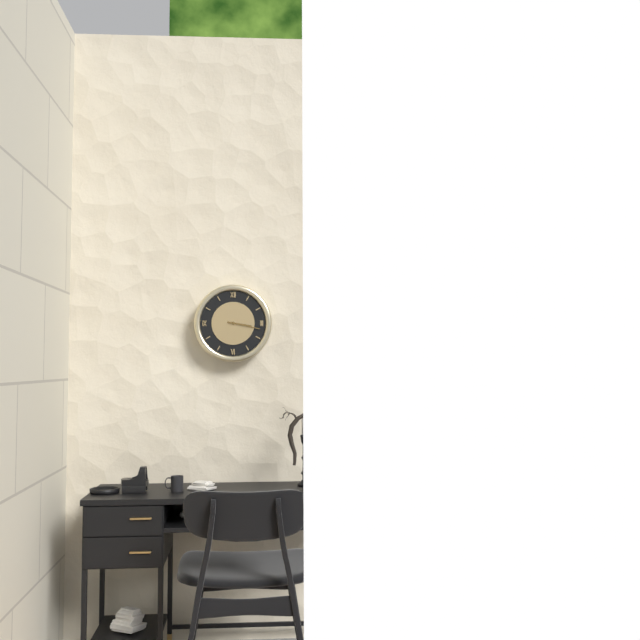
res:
3:17
